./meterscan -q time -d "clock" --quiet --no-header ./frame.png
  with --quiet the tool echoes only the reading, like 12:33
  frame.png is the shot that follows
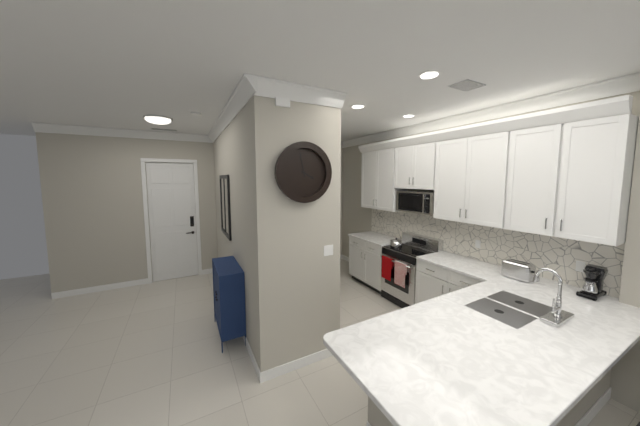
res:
3:58
